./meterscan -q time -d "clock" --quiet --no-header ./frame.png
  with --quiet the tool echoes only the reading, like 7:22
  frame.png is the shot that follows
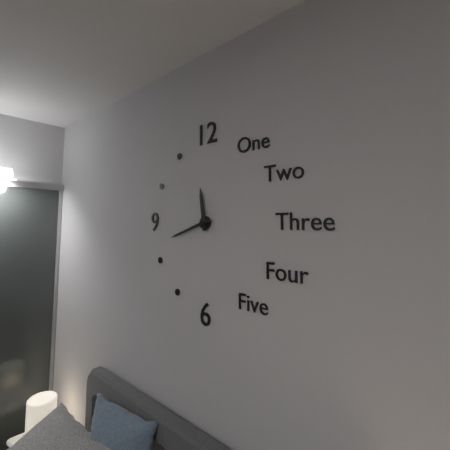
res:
11:42
